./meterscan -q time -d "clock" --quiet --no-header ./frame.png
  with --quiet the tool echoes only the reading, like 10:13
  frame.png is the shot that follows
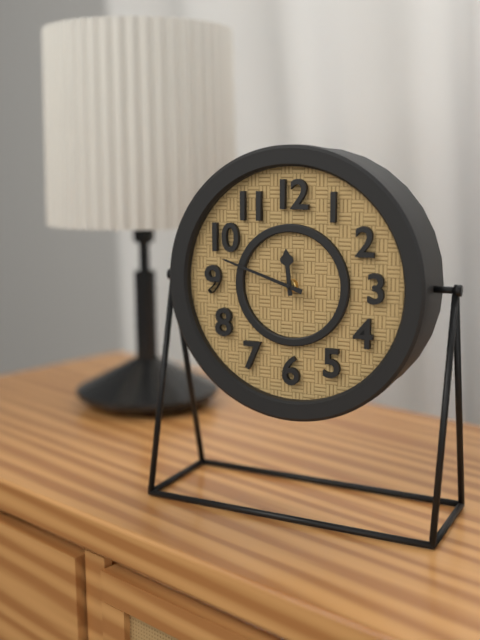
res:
11:48
